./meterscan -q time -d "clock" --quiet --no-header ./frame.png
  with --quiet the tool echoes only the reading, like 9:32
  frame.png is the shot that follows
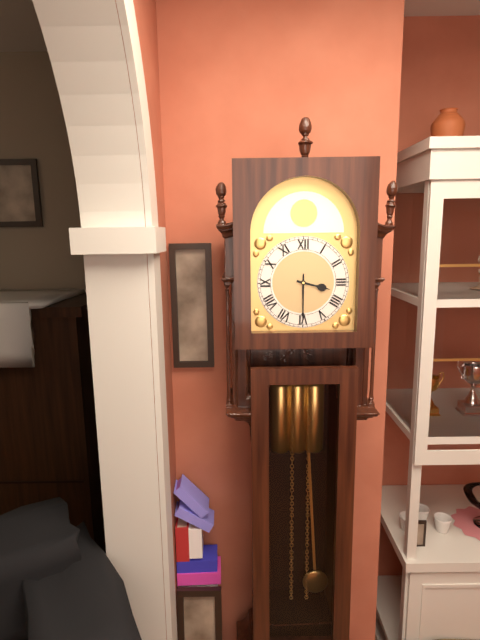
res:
3:30
